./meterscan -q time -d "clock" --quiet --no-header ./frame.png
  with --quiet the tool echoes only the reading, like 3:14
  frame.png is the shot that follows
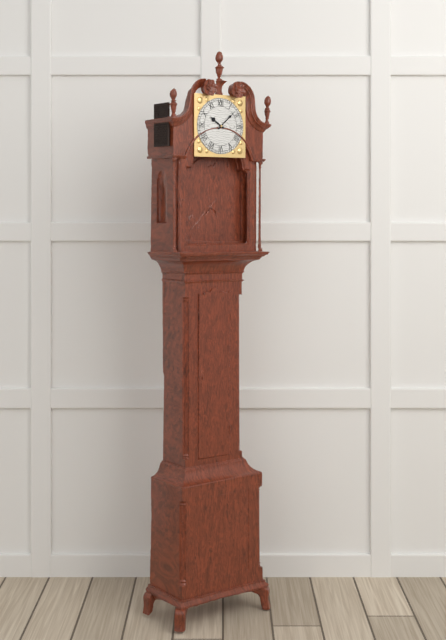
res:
10:08
